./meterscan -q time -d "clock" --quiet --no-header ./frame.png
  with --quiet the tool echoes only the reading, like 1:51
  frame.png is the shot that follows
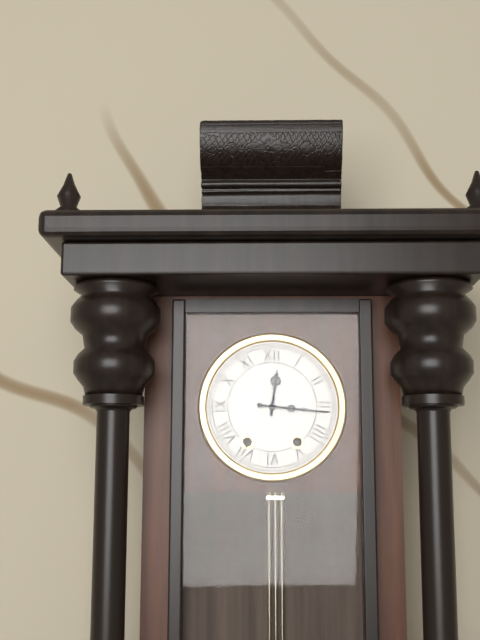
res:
12:16
